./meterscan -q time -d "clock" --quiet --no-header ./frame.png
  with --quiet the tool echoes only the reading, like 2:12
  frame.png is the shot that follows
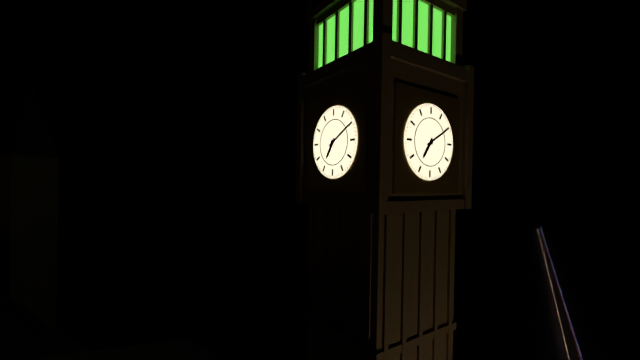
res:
7:10
